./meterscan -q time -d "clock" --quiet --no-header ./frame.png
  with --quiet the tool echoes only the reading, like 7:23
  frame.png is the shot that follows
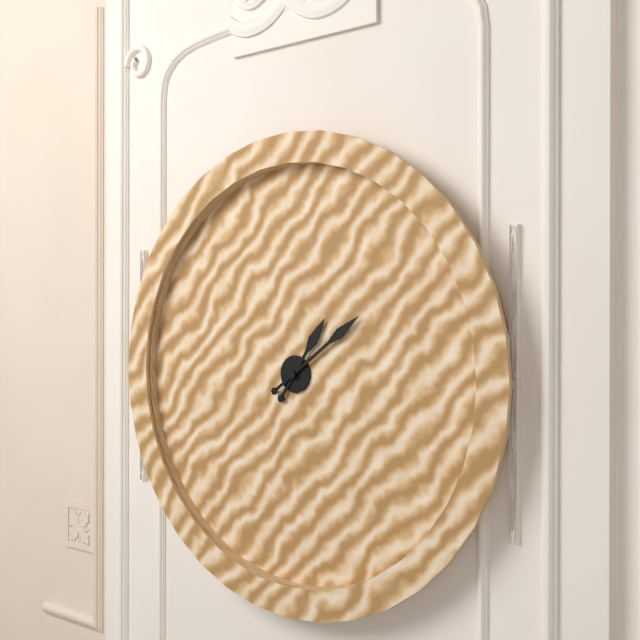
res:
1:09
